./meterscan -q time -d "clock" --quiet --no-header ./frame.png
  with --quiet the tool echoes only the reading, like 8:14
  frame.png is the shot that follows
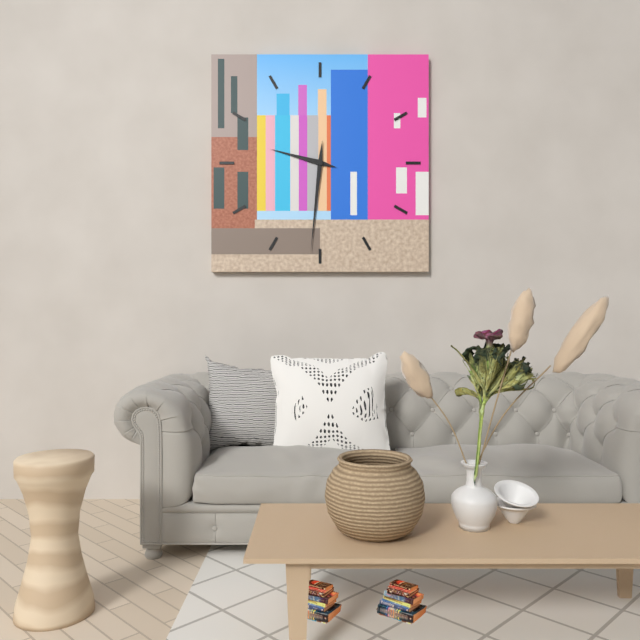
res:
9:31
